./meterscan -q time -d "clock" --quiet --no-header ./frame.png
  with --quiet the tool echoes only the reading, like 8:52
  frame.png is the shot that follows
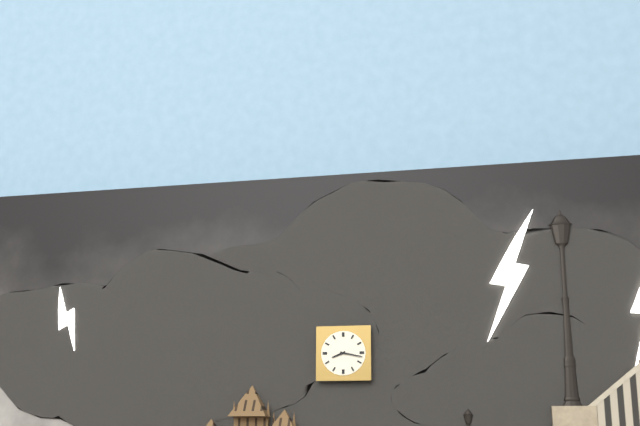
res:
8:17
